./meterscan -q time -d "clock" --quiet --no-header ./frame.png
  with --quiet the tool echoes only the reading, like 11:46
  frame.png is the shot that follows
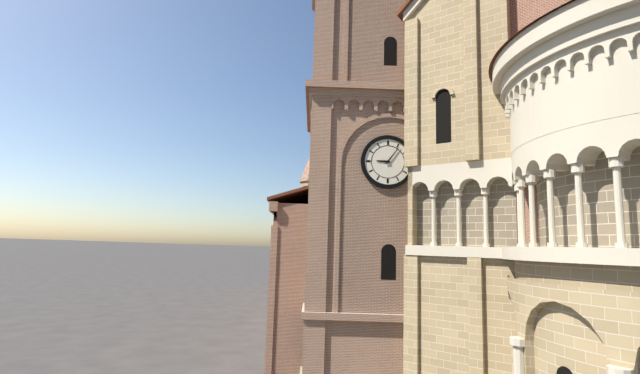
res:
9:06
